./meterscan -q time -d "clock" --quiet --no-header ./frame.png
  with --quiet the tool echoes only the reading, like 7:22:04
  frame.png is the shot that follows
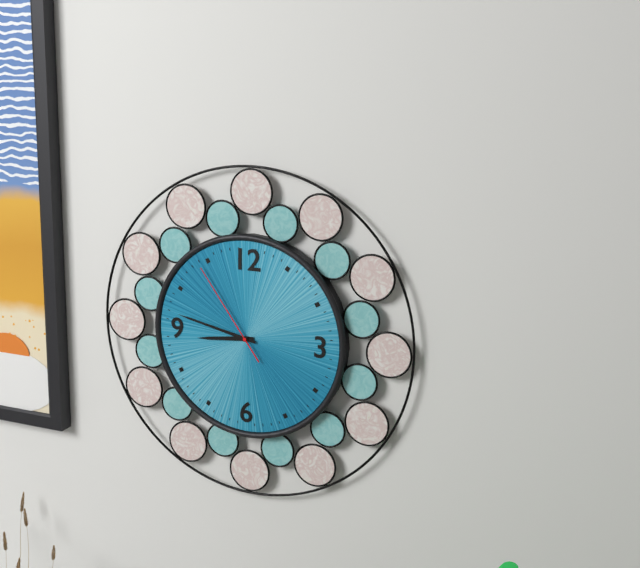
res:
8:47:54
